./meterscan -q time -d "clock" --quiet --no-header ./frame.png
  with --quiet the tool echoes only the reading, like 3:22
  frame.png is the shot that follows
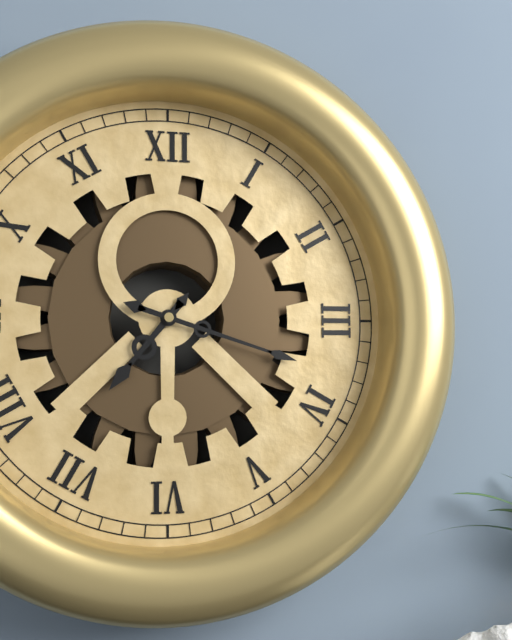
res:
7:18
